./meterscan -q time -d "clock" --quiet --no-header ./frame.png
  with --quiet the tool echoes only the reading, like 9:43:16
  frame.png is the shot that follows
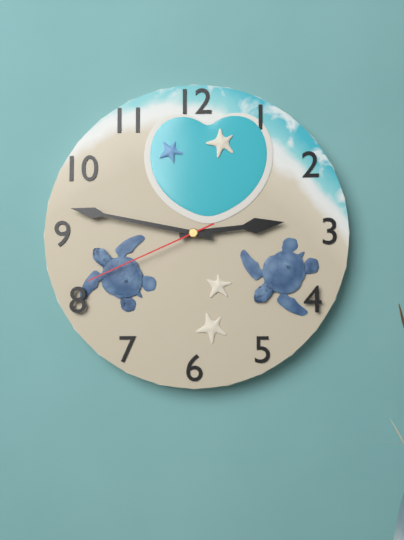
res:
2:47:41
